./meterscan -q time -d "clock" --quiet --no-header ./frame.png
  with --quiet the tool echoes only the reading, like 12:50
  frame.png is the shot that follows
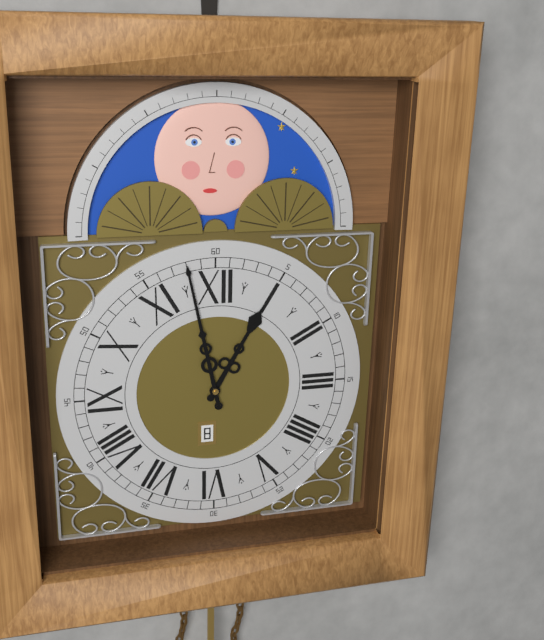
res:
12:58
